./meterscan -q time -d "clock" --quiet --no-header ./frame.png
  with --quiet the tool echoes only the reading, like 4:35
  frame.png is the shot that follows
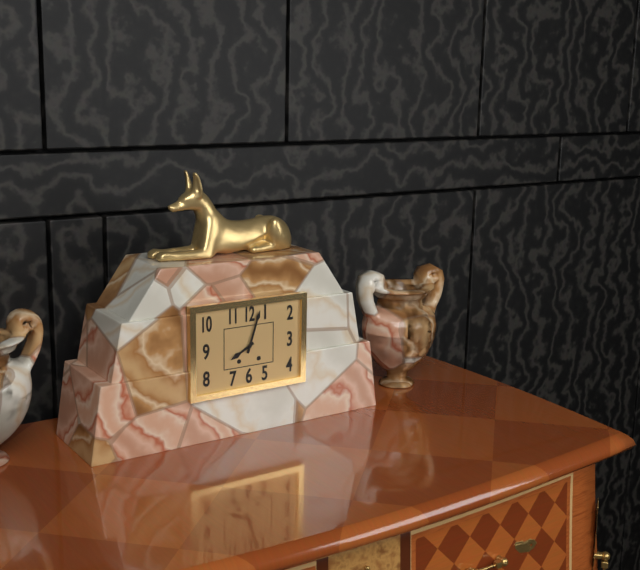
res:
8:03
